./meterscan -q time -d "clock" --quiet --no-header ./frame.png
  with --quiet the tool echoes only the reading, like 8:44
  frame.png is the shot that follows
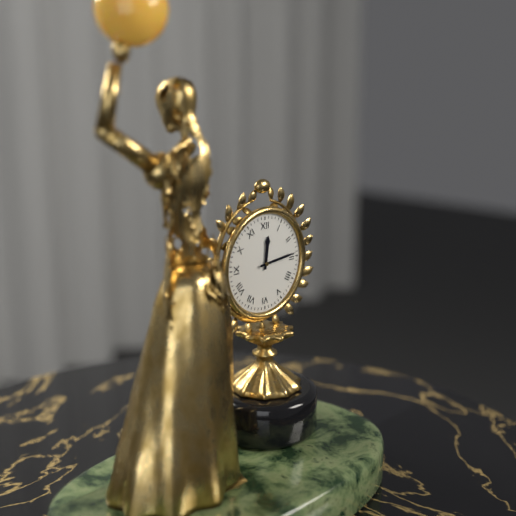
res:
12:14
